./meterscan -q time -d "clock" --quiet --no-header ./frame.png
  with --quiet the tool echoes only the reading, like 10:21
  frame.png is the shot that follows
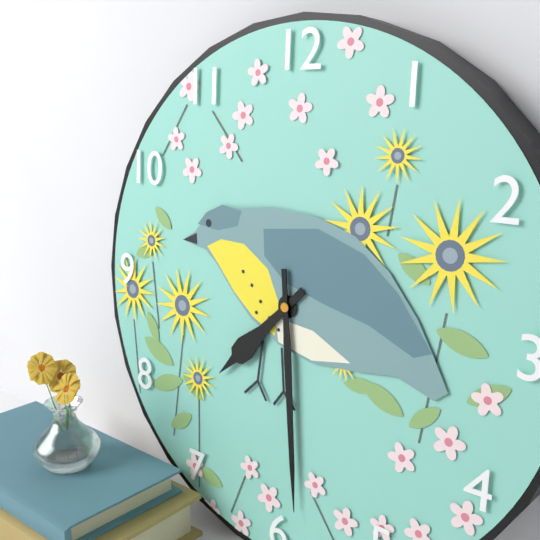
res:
7:29
